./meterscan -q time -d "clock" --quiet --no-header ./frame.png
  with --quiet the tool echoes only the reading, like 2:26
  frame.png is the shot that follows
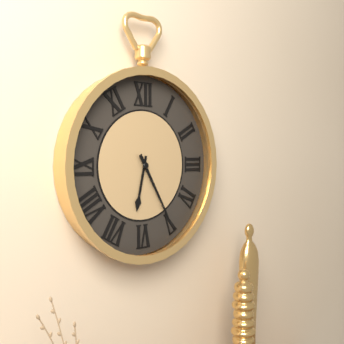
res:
6:25
